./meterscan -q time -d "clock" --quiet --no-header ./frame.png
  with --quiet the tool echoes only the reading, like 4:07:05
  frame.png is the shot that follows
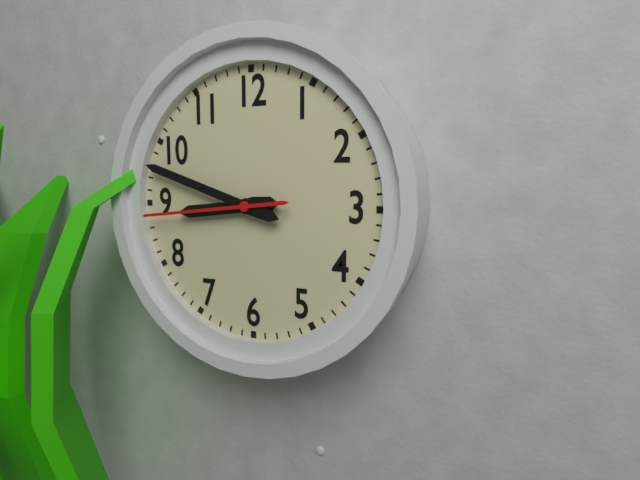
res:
8:48:44
